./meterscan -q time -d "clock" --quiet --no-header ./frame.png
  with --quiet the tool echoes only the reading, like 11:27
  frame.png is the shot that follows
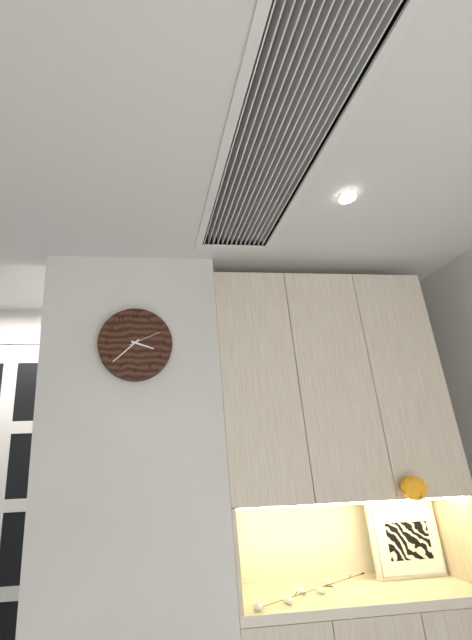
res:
3:38
